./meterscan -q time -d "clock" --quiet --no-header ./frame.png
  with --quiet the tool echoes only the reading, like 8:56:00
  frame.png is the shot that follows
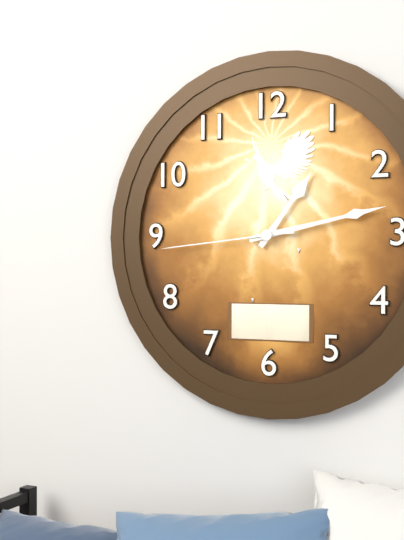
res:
1:13:44
